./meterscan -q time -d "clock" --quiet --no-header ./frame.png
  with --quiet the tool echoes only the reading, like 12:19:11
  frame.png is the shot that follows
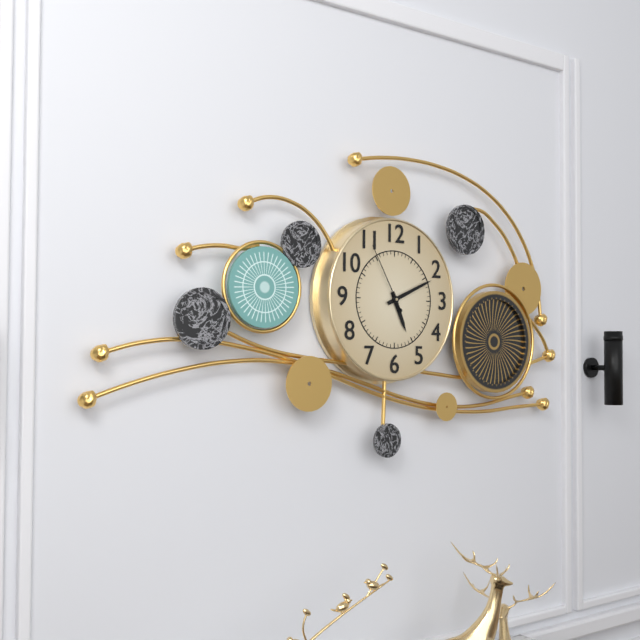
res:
5:11:55
